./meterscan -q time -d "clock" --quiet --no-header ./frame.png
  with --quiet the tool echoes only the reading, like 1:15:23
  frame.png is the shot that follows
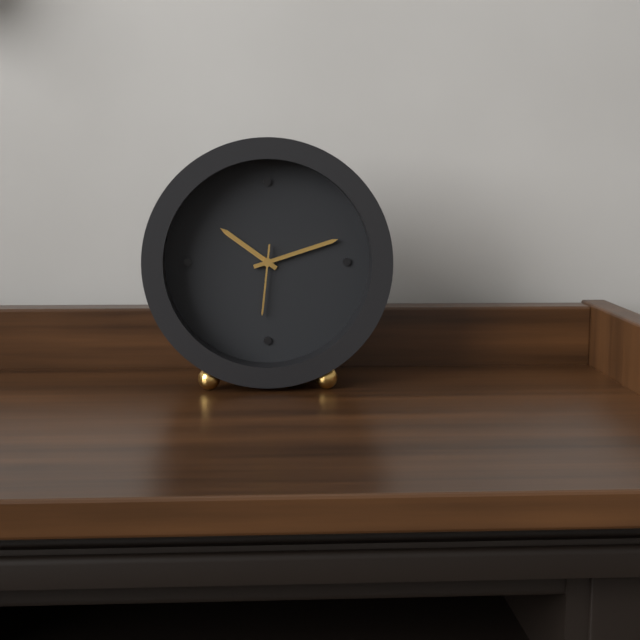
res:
10:12:31
